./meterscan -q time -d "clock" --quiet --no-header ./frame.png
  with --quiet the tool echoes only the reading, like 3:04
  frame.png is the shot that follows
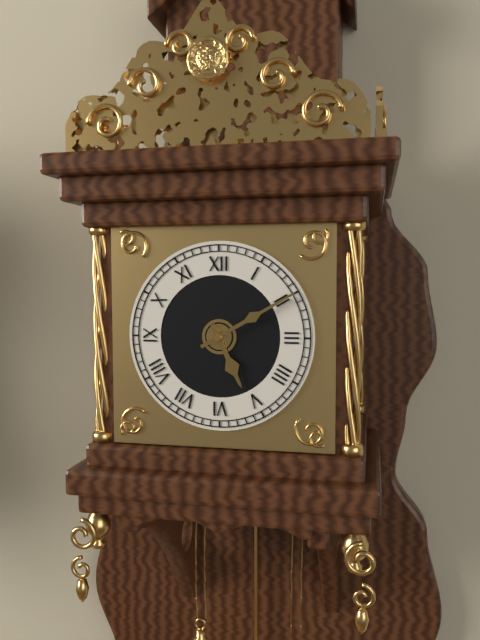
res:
5:10
